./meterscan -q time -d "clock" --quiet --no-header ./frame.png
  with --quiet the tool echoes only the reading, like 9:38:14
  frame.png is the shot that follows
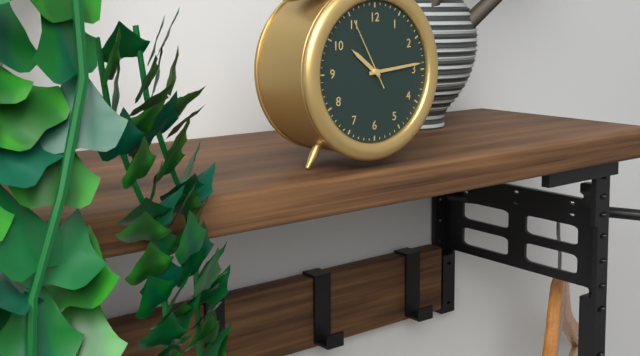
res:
10:14:55
